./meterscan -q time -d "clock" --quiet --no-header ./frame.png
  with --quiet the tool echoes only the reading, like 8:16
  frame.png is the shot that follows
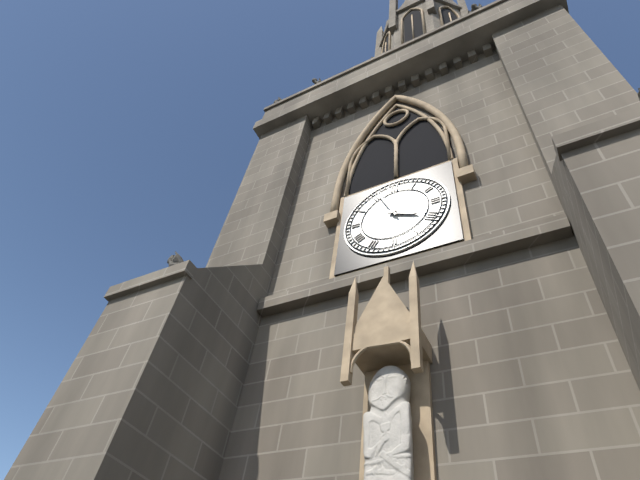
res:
3:56
